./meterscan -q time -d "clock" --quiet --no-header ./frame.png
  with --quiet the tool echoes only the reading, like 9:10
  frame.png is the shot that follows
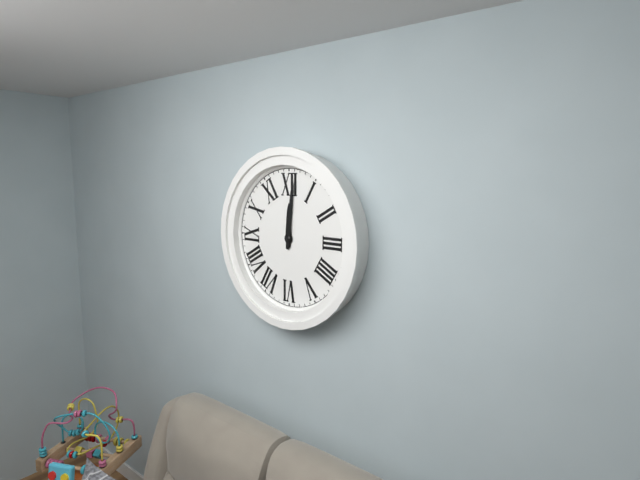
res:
12:01
